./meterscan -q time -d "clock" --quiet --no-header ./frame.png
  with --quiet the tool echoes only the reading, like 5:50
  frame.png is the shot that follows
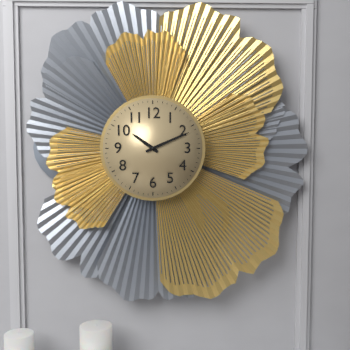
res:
10:11
